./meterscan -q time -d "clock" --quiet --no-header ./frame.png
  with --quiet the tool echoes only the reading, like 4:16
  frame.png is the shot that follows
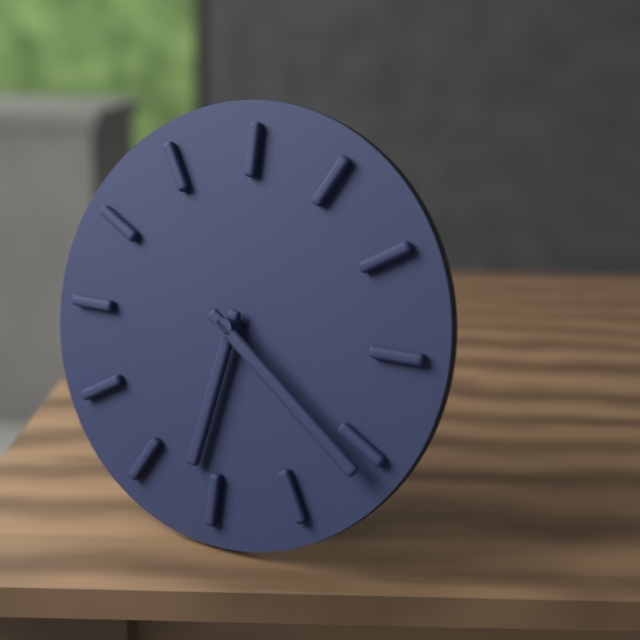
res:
6:21
